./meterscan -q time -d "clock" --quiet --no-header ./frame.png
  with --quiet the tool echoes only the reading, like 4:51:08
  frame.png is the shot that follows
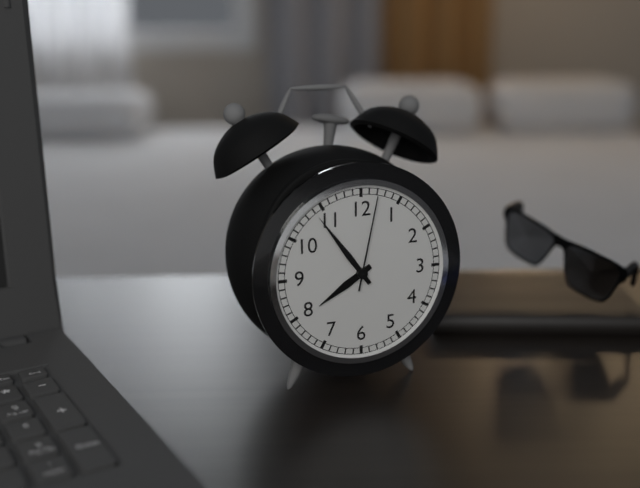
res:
7:54:02
